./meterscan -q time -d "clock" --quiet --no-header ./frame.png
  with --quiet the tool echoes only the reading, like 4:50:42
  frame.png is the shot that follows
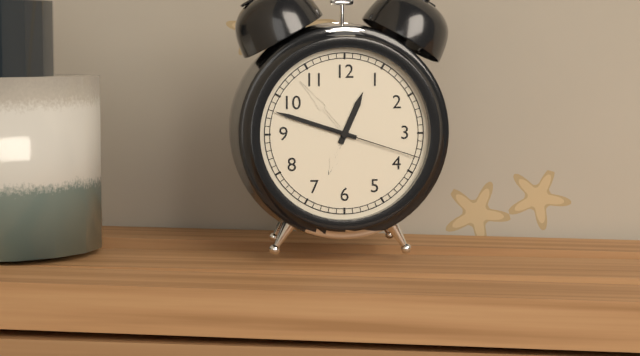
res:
12:48:18
